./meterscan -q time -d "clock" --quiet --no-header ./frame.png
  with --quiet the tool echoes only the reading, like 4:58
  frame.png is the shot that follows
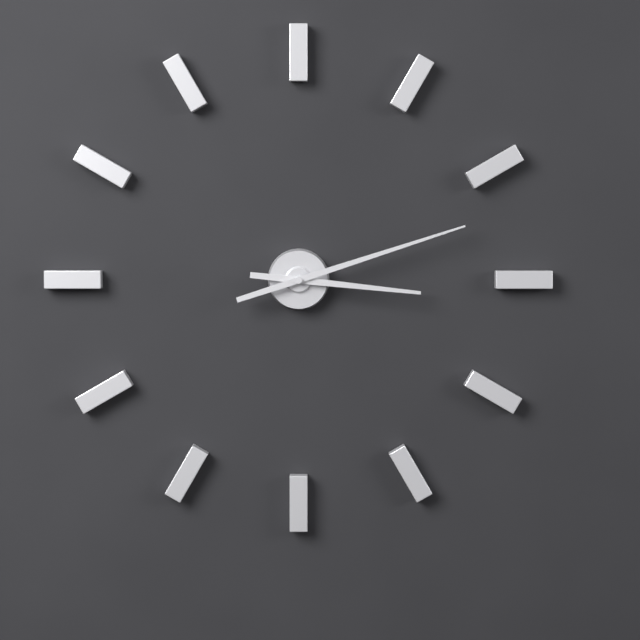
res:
3:12
